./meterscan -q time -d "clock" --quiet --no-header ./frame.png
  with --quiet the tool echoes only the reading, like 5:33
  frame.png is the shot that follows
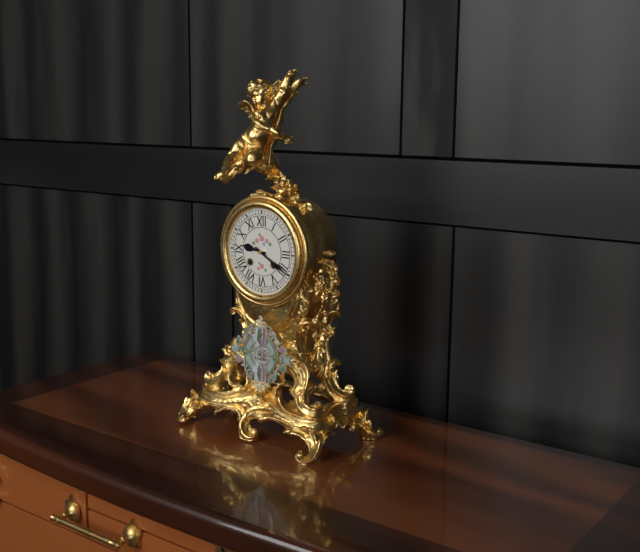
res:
9:20
